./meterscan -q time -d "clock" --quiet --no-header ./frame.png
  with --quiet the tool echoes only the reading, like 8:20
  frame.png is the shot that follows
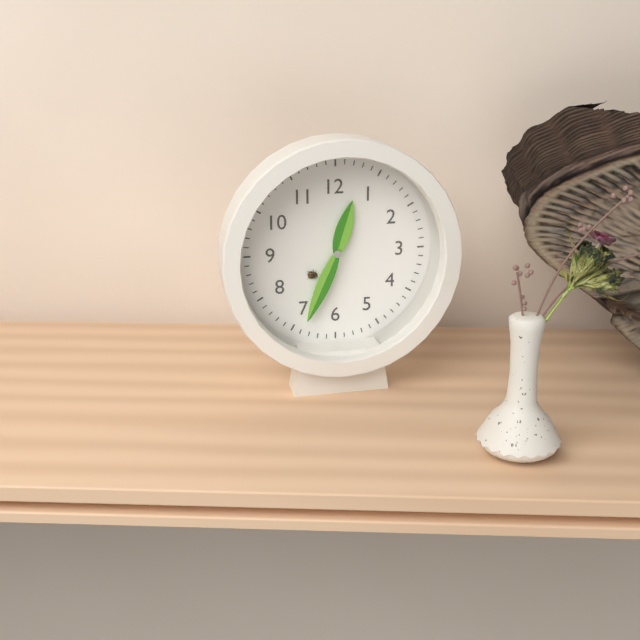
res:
12:34
